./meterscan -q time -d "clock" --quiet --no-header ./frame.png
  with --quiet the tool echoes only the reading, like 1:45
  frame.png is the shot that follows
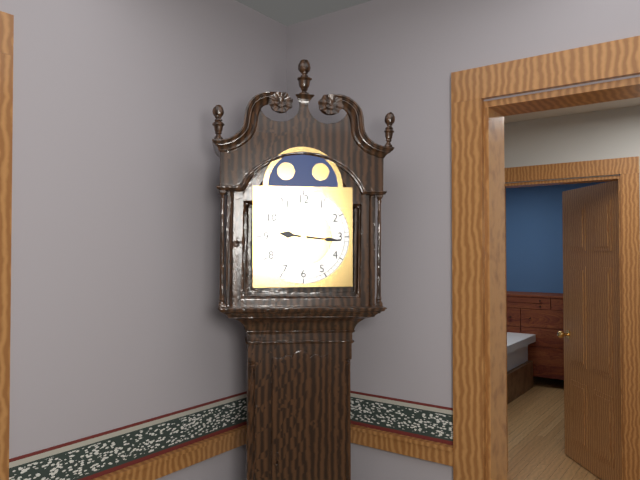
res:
9:16
